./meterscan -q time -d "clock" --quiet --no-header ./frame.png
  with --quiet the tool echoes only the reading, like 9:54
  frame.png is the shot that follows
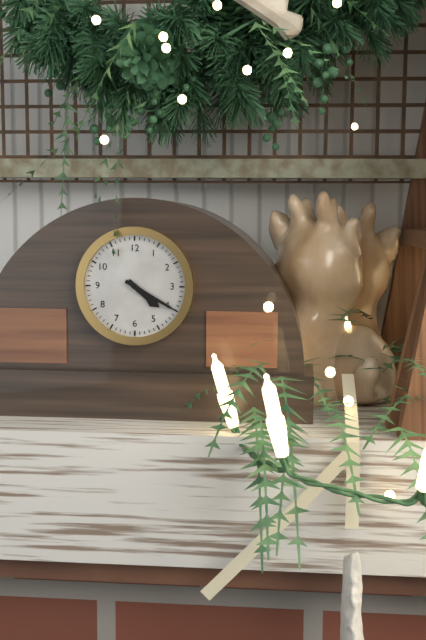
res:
4:20
